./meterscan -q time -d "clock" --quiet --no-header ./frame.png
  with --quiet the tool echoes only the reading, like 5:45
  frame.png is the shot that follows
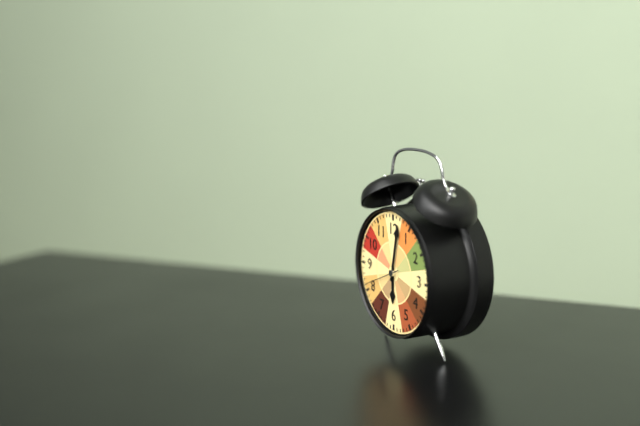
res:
6:02
